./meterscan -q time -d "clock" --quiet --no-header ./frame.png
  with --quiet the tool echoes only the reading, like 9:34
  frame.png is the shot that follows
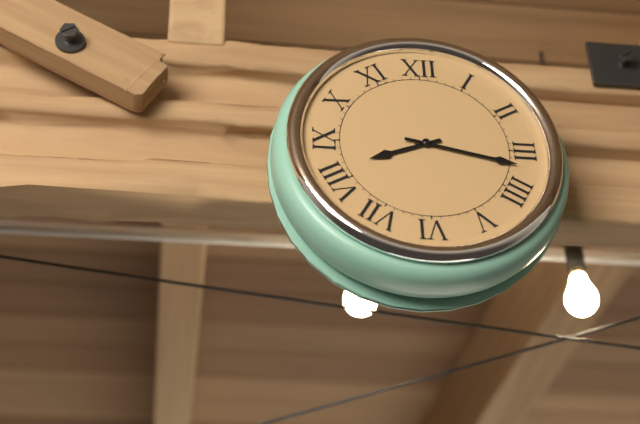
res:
8:17
